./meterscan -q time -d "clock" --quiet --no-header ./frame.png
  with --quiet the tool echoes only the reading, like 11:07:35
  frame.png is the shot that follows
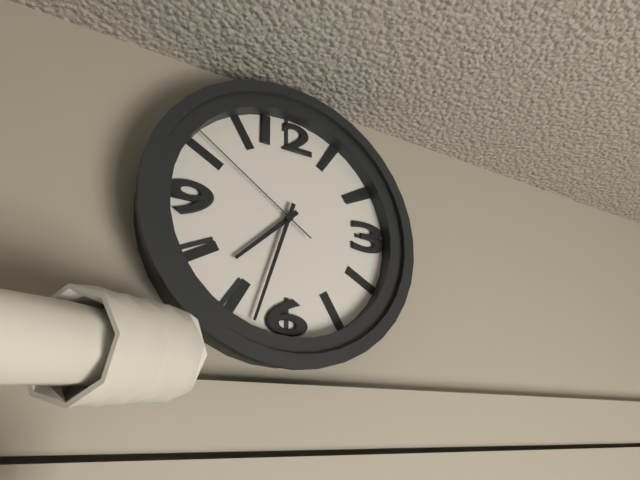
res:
7:33:51
